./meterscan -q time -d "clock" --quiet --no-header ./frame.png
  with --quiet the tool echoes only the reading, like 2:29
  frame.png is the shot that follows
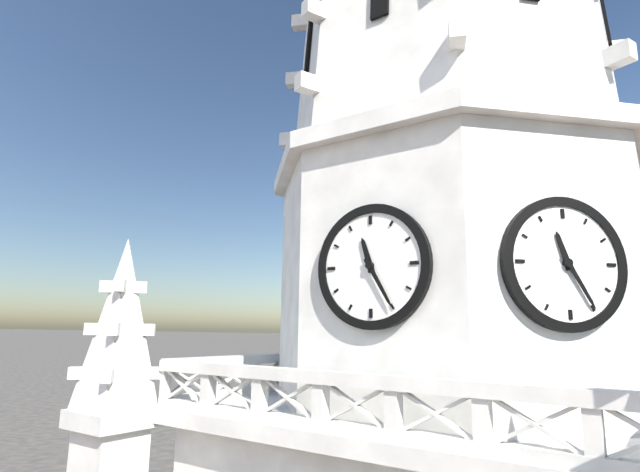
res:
11:25
